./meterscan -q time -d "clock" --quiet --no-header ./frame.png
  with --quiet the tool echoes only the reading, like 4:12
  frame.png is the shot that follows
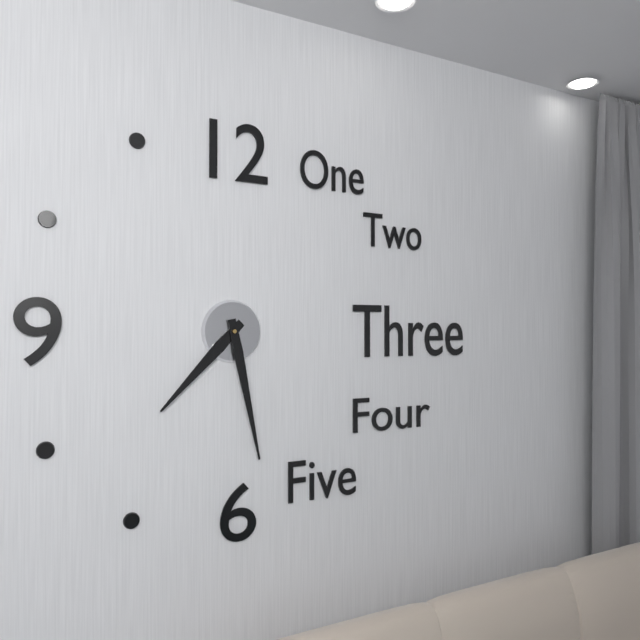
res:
7:28
